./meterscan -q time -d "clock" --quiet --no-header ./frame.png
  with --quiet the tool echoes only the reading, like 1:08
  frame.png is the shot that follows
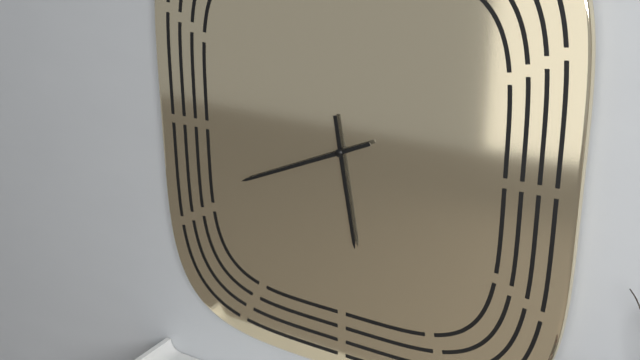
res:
5:41
